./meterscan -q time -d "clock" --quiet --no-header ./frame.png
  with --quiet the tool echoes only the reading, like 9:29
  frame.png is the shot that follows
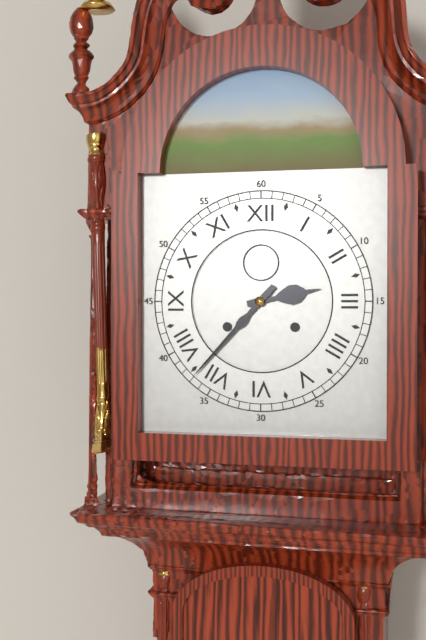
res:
2:37
